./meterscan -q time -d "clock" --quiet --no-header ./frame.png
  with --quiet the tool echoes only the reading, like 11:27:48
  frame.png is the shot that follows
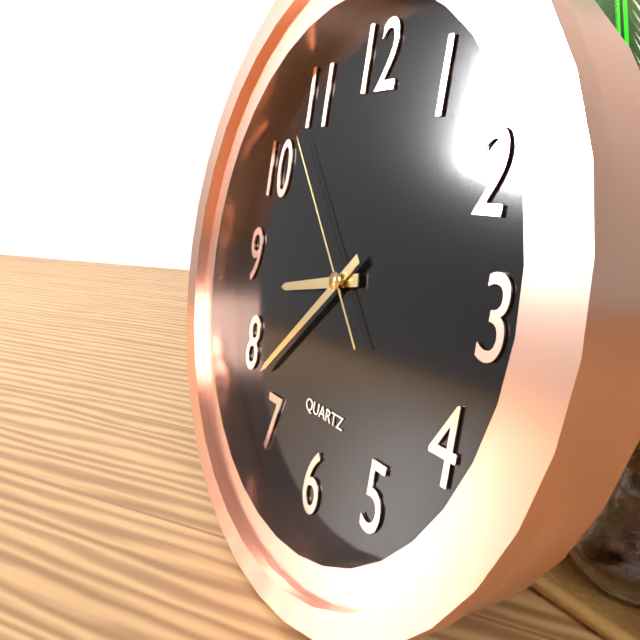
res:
8:38:53
